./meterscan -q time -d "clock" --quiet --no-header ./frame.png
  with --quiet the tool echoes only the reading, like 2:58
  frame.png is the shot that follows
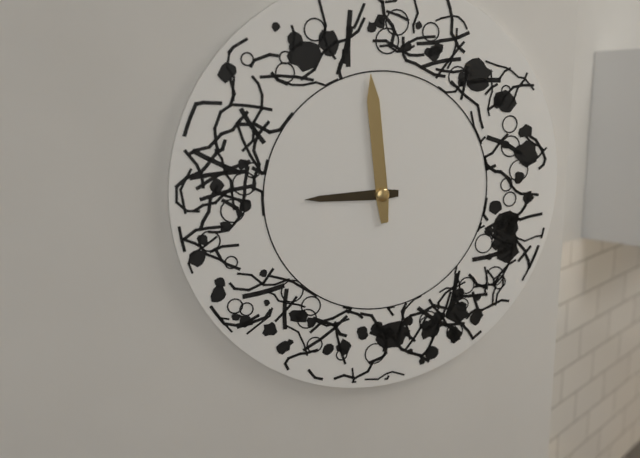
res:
8:59
